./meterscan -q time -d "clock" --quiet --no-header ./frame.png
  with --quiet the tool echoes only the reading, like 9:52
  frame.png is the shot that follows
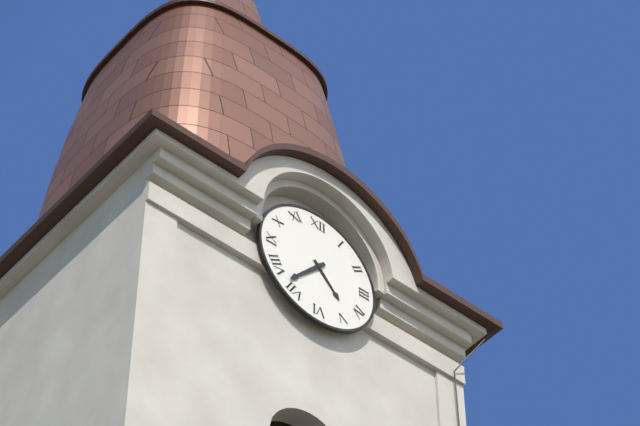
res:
4:37
